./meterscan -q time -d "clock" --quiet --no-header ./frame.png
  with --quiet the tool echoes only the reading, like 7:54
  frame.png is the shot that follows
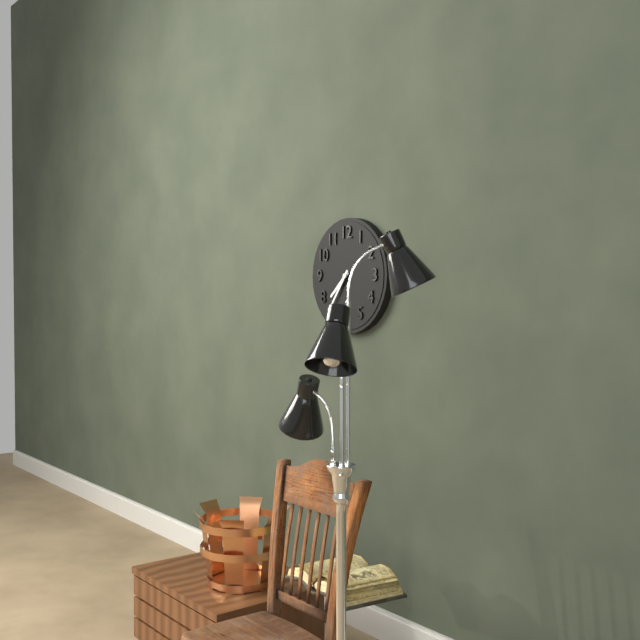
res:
7:36
